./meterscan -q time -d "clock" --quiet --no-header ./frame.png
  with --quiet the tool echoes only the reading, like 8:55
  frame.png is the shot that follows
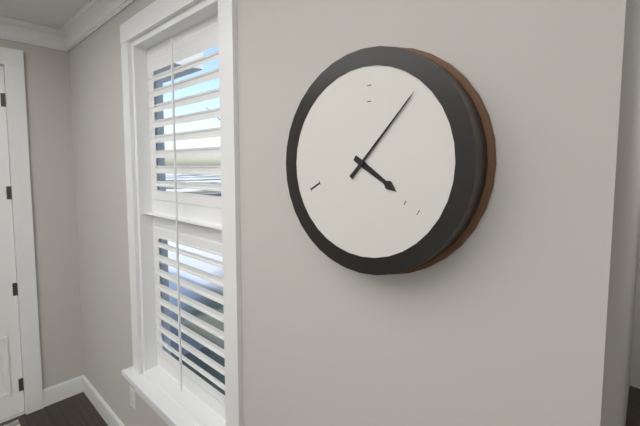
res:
4:07
